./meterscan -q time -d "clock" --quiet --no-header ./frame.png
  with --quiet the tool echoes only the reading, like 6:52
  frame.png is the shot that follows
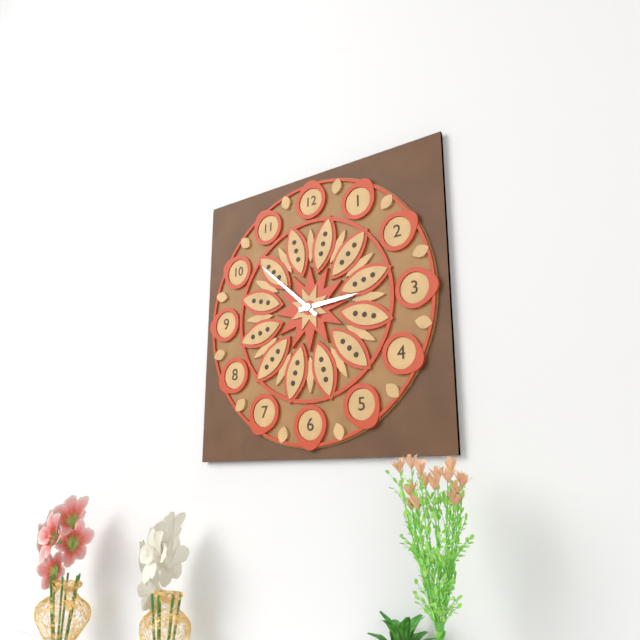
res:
2:52
